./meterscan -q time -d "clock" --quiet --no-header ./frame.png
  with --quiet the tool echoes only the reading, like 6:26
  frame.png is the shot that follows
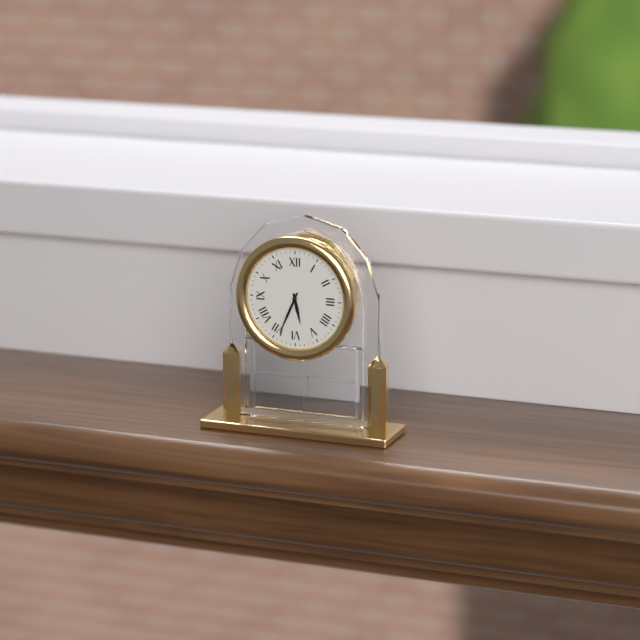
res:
5:34
